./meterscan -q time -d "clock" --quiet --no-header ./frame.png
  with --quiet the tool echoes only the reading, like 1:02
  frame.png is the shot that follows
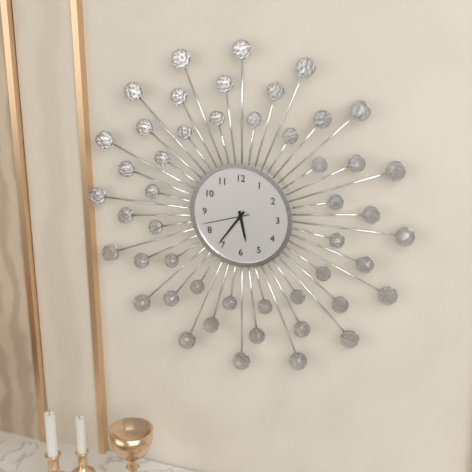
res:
5:36
